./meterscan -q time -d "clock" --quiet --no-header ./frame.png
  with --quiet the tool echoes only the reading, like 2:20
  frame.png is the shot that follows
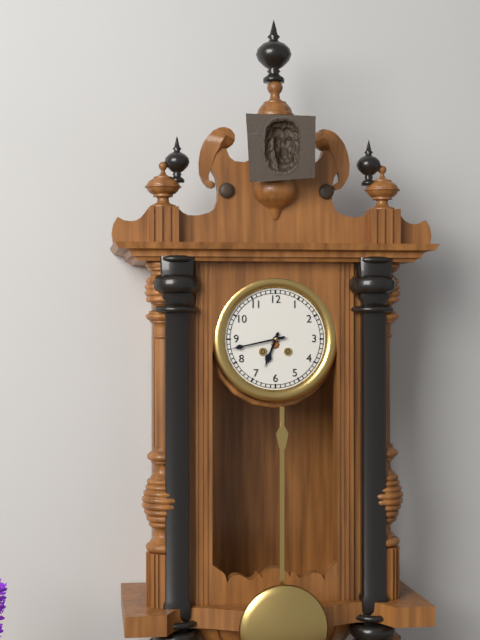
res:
6:43
